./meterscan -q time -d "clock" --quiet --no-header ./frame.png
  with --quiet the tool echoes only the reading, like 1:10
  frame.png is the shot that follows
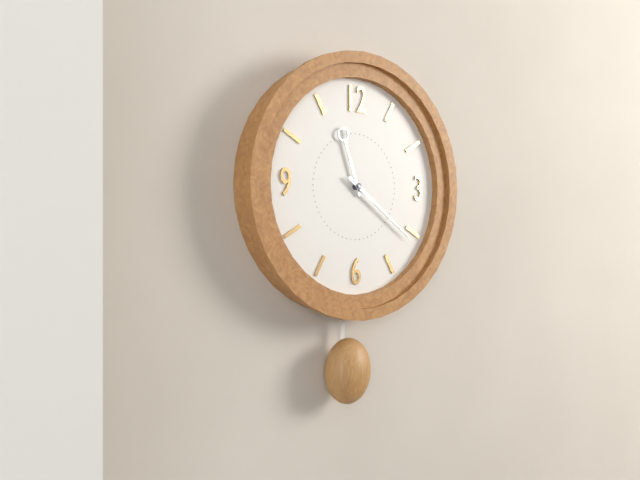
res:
11:21
